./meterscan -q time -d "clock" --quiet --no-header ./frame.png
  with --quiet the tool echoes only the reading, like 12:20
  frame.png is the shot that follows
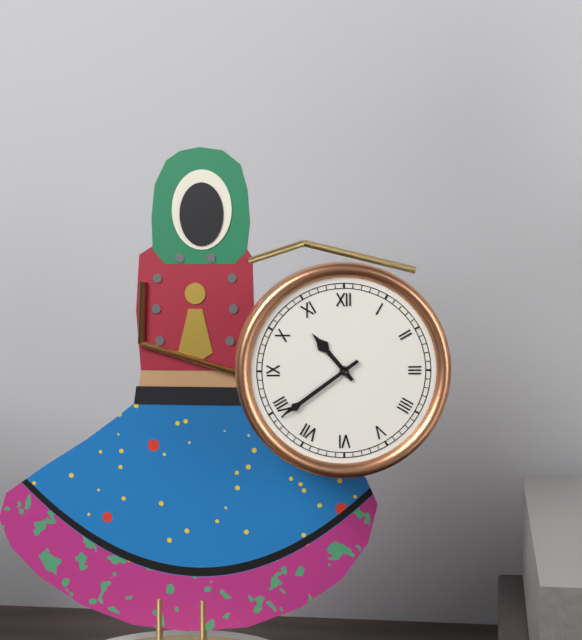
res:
10:39
